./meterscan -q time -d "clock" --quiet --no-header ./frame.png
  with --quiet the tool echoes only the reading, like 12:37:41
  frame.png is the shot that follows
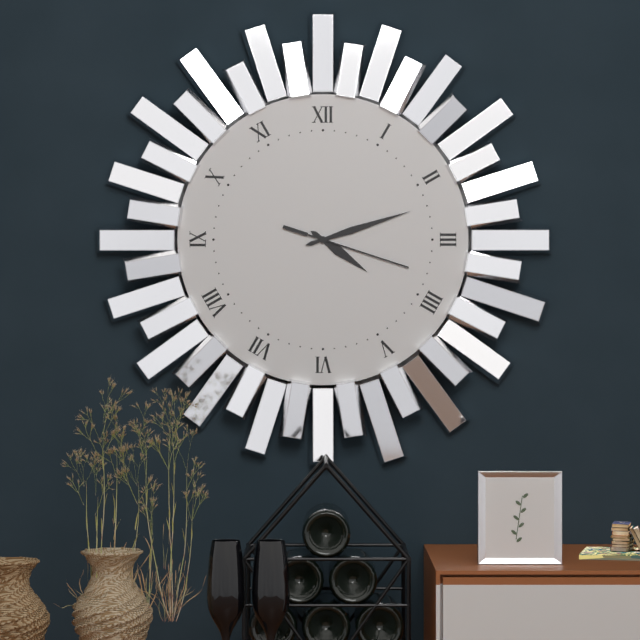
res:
4:12:18
